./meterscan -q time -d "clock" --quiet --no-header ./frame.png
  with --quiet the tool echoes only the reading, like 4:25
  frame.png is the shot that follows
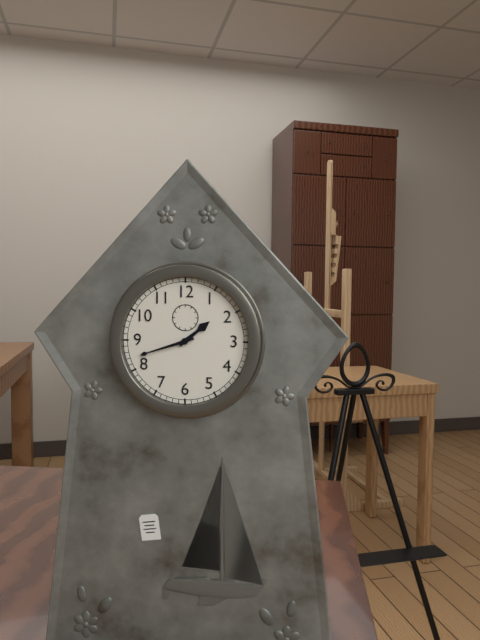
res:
1:42
